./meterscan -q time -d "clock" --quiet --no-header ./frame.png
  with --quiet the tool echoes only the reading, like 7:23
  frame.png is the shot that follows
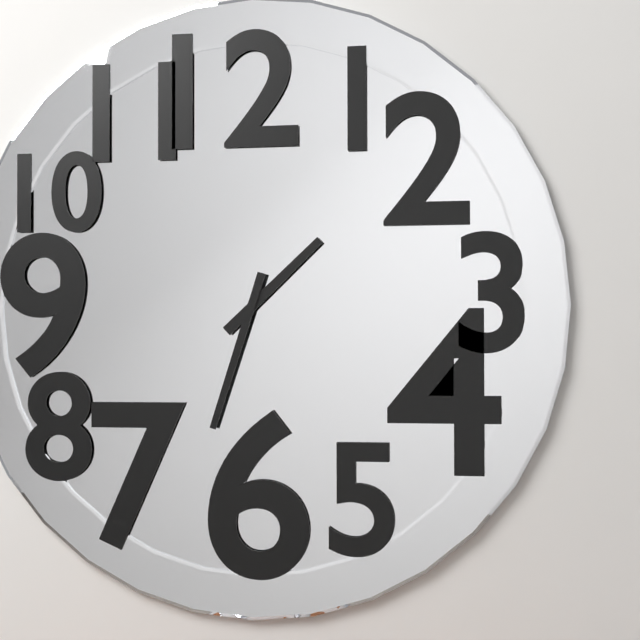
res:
1:33
